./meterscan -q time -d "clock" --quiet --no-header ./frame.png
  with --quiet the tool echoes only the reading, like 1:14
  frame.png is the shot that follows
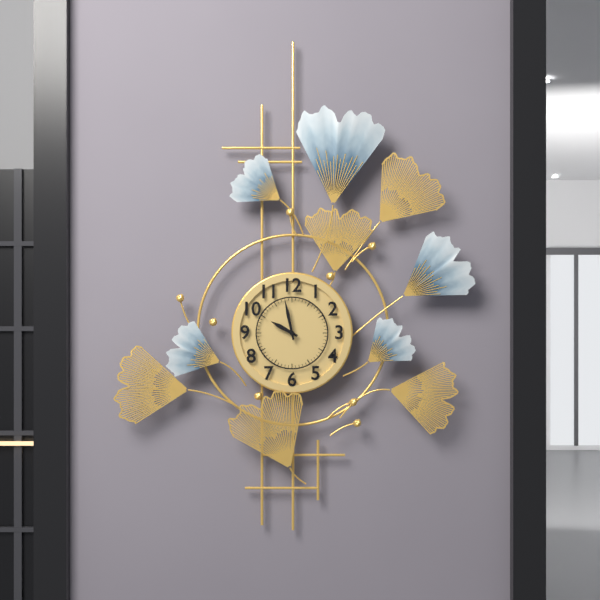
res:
9:58
